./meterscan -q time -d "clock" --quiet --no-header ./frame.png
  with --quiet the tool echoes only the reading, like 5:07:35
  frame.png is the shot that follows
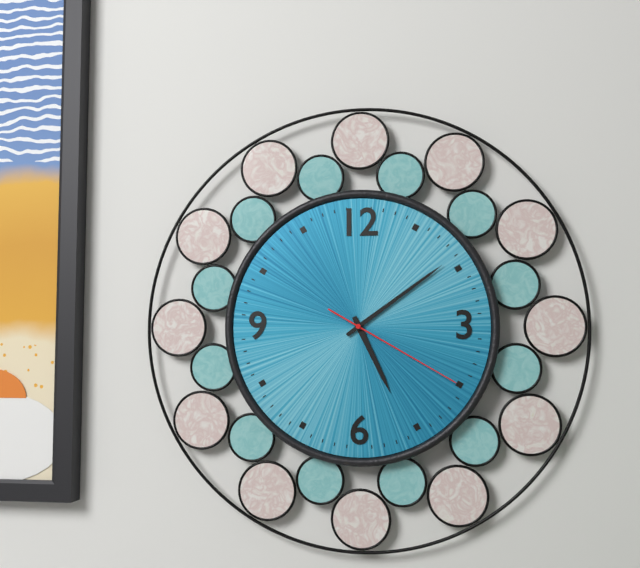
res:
5:09:20
